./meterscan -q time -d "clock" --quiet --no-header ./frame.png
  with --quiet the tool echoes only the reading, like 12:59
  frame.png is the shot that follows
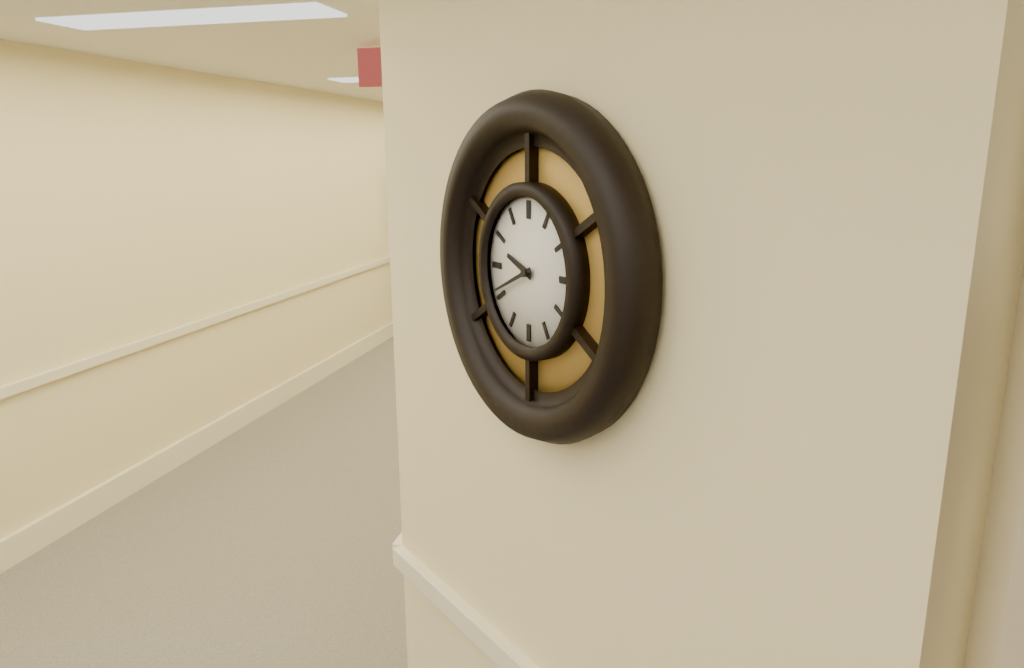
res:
9:41
